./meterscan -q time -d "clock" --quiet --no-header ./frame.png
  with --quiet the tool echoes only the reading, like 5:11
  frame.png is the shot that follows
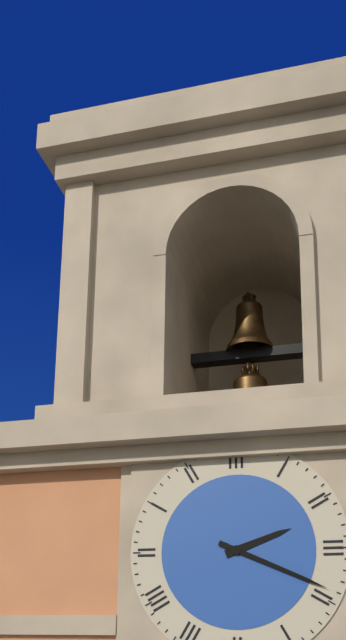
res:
2:19
